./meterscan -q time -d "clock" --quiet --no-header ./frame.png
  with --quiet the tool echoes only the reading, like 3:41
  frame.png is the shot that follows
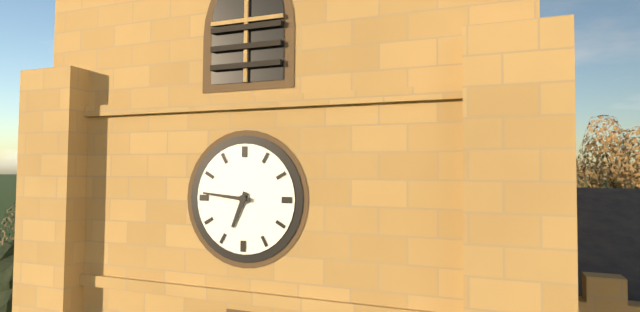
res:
6:46
